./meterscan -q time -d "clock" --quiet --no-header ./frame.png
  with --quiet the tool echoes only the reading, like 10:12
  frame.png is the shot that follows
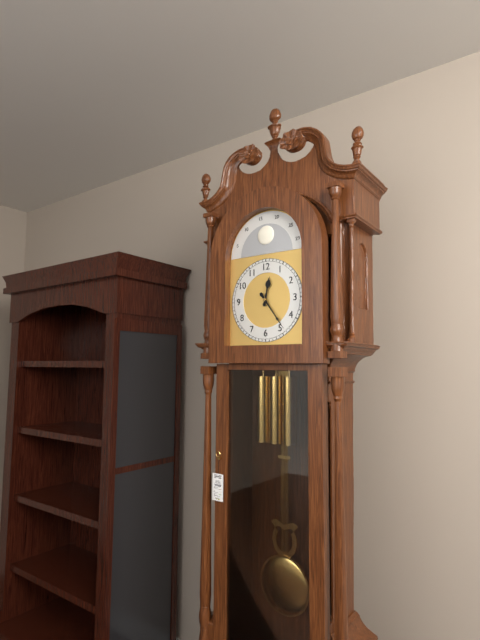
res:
12:24
